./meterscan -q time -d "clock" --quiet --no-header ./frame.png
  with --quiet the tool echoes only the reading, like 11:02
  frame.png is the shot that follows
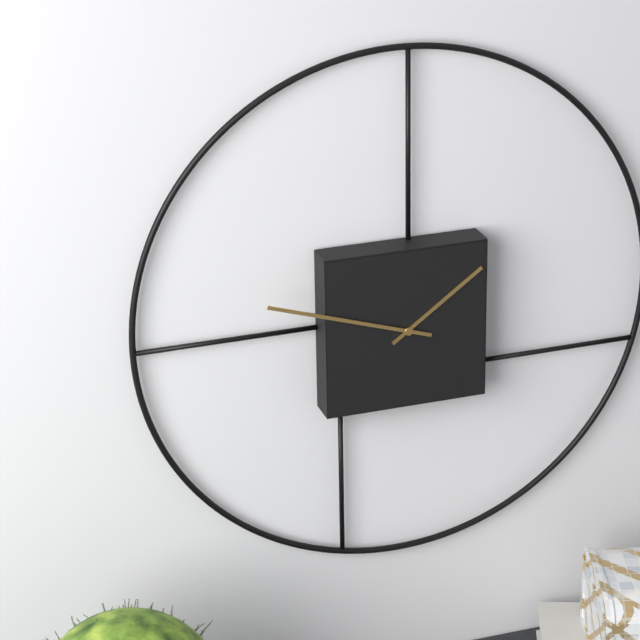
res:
1:48
